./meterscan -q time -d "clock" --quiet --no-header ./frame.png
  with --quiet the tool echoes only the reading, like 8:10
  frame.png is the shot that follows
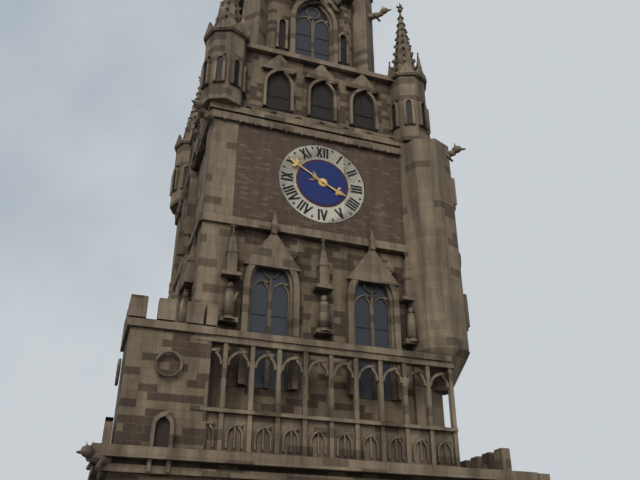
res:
3:50
